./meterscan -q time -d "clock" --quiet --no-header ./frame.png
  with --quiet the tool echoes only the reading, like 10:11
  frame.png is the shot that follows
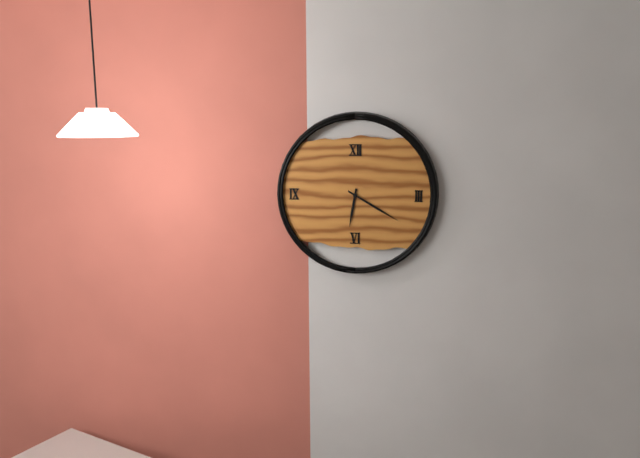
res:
6:20
